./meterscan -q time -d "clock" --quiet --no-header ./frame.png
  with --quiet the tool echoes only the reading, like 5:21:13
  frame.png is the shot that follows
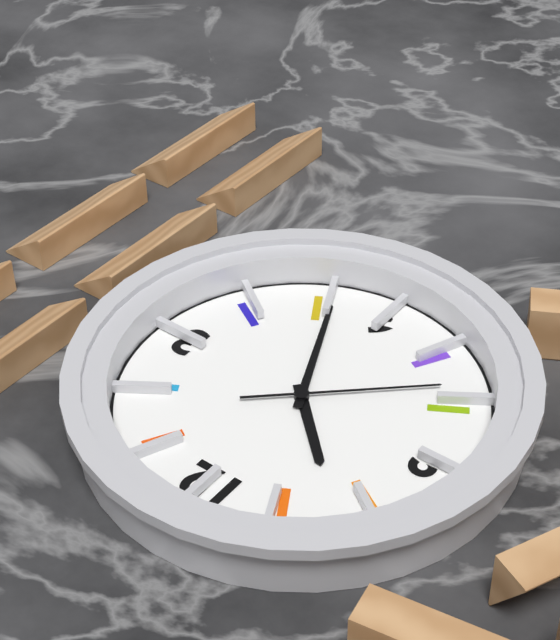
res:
10:26:38
